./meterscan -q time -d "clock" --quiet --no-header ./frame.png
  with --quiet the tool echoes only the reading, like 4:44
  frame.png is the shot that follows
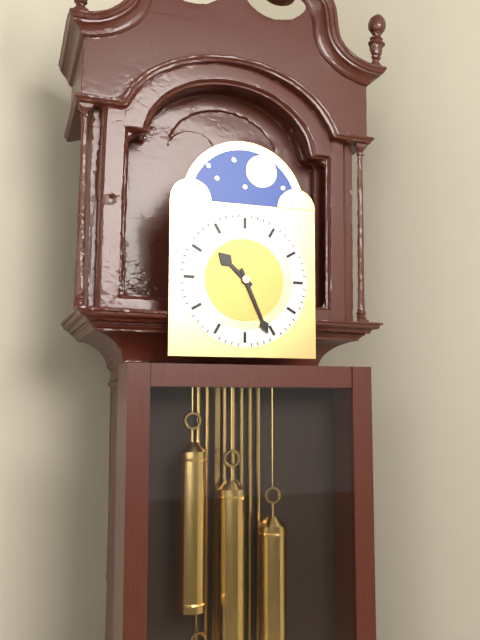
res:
10:26
